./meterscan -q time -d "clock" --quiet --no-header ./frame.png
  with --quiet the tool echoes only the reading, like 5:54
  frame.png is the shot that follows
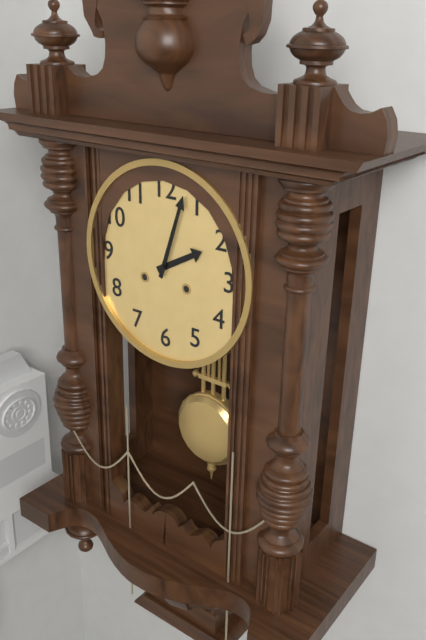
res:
2:03
